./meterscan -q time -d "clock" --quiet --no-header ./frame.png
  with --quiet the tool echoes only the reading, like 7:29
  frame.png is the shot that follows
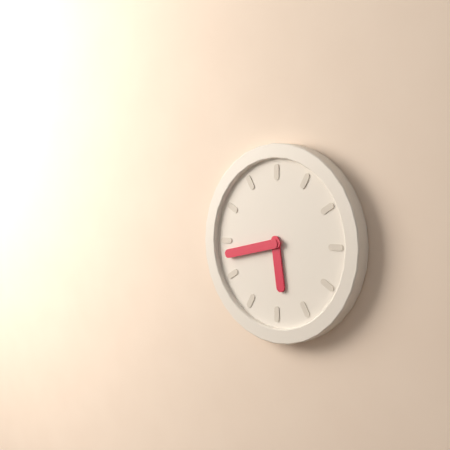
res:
5:43
